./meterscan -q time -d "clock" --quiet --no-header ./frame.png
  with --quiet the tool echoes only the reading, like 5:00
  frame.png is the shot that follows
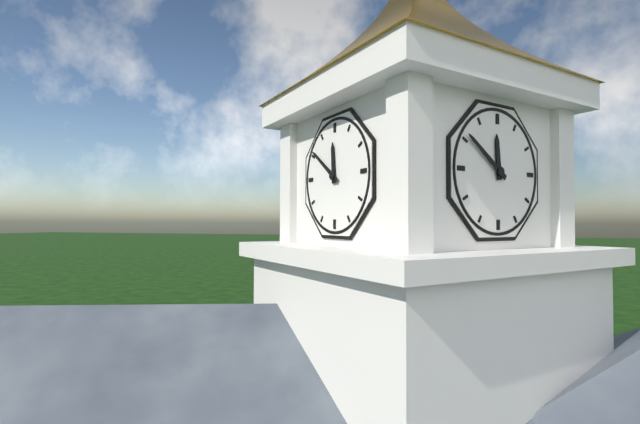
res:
11:51
